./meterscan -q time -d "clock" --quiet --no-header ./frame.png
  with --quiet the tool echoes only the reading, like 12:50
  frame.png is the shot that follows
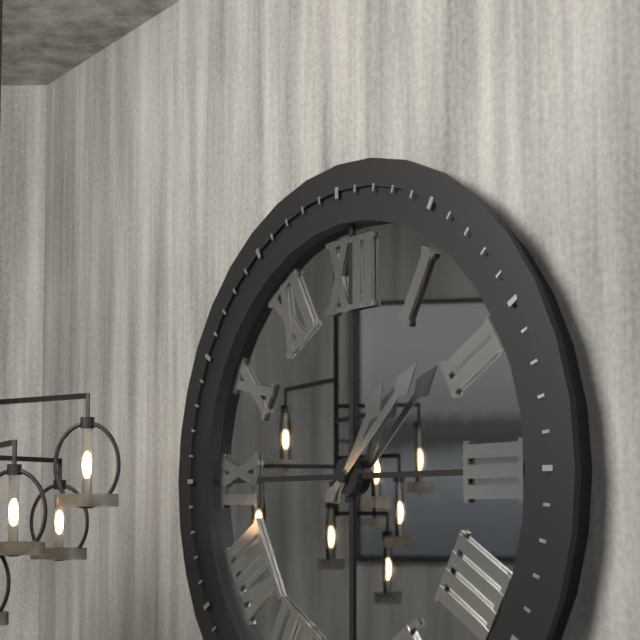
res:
1:08
